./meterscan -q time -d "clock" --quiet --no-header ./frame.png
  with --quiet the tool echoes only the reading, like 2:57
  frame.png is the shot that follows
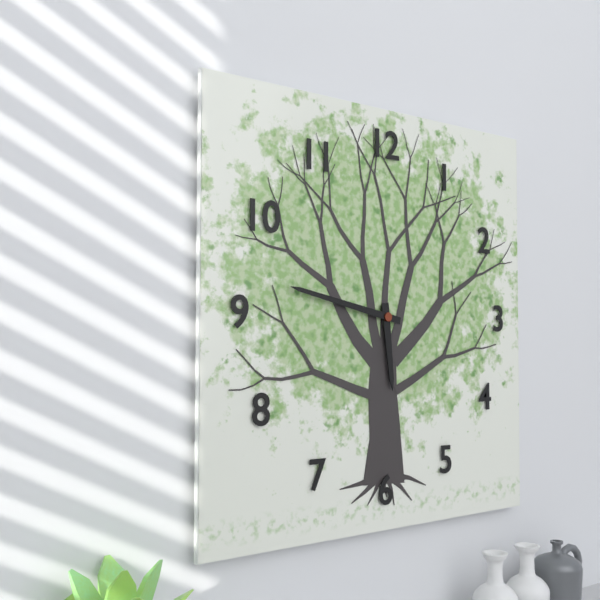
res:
5:47
